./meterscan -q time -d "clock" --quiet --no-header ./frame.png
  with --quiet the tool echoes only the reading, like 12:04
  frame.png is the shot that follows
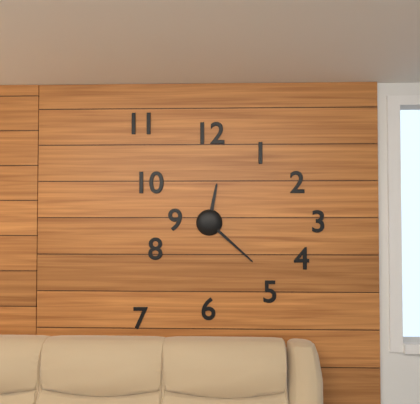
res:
12:22
